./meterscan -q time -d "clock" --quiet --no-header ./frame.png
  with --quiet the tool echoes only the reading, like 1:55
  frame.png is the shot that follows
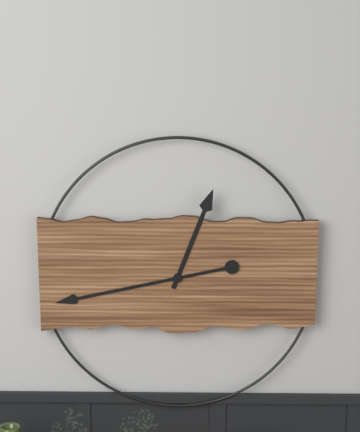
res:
12:43
